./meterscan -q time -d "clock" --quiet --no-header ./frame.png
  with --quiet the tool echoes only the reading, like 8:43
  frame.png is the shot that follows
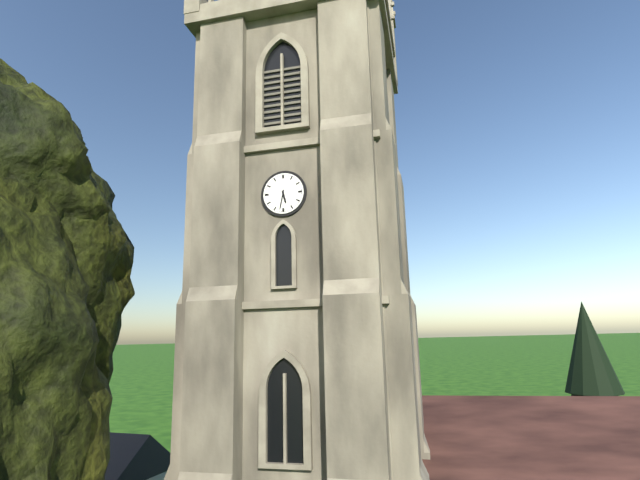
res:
5:32
